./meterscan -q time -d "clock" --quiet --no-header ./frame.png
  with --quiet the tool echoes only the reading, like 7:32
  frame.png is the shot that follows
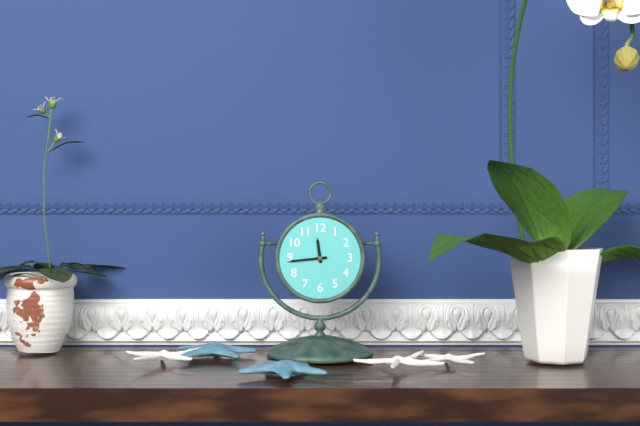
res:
11:44
